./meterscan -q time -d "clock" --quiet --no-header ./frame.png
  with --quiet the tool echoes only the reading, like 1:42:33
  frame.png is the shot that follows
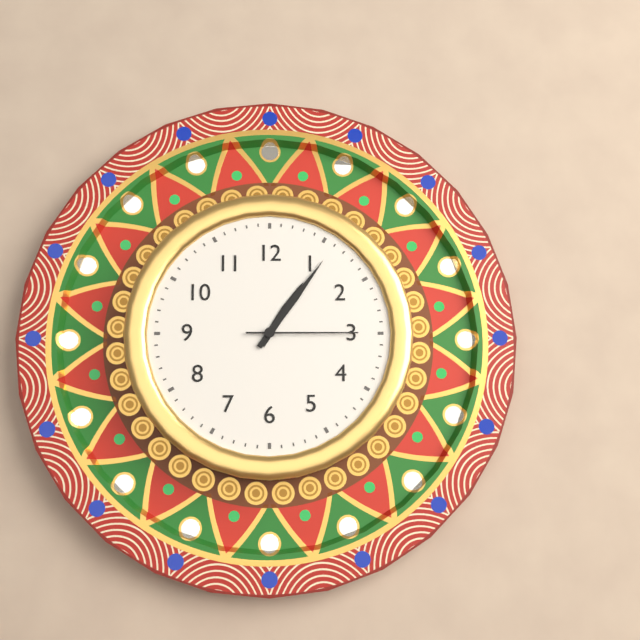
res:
1:06:15
